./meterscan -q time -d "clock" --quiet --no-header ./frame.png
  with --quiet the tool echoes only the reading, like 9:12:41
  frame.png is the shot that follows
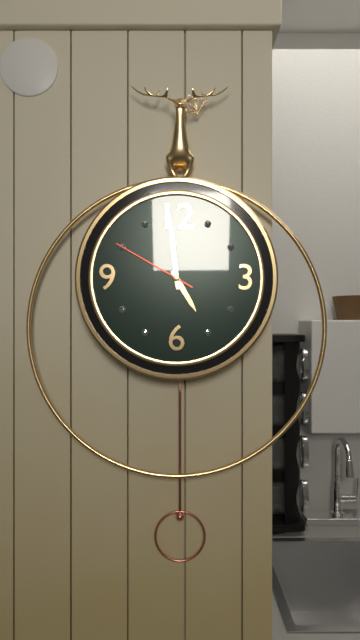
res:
4:59:50
